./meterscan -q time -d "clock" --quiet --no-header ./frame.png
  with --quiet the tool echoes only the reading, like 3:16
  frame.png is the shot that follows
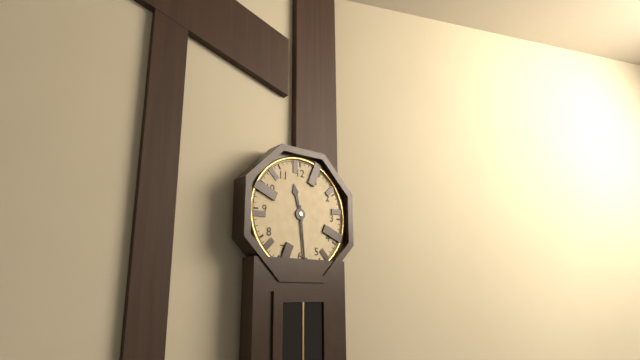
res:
11:29
